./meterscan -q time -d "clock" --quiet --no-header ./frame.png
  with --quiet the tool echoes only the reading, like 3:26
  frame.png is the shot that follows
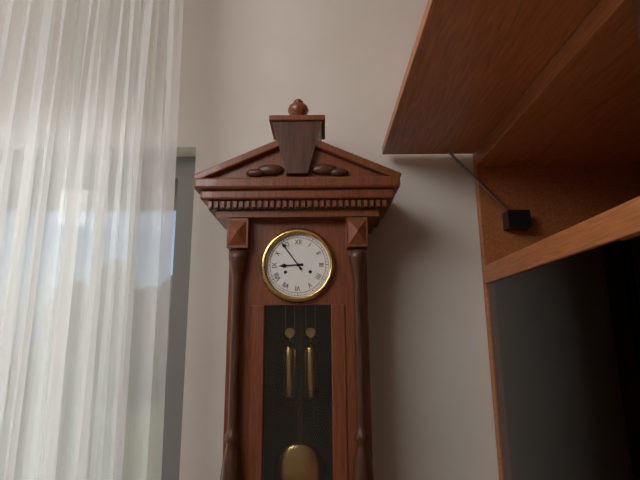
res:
8:54
